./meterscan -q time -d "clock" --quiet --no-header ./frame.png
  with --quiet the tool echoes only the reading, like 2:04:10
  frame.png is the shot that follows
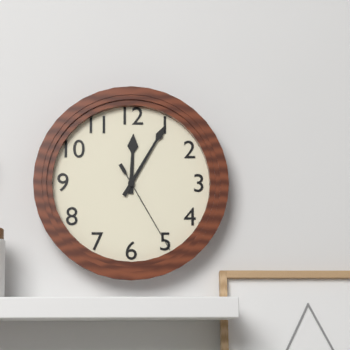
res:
12:05:25
